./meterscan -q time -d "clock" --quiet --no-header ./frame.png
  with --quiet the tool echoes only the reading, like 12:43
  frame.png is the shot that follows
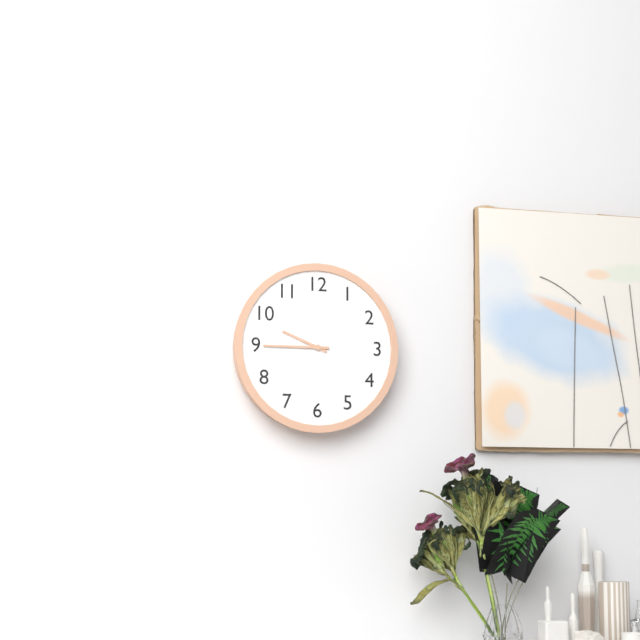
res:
9:45
